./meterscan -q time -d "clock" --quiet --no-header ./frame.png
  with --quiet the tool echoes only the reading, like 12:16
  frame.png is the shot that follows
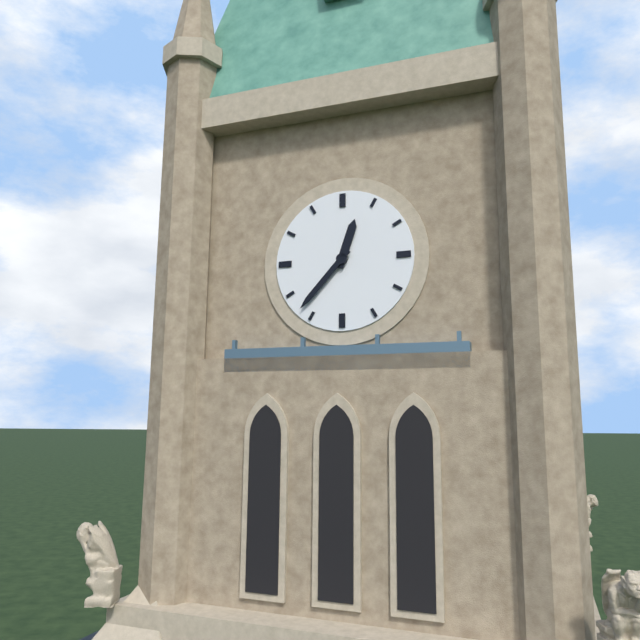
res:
12:37
